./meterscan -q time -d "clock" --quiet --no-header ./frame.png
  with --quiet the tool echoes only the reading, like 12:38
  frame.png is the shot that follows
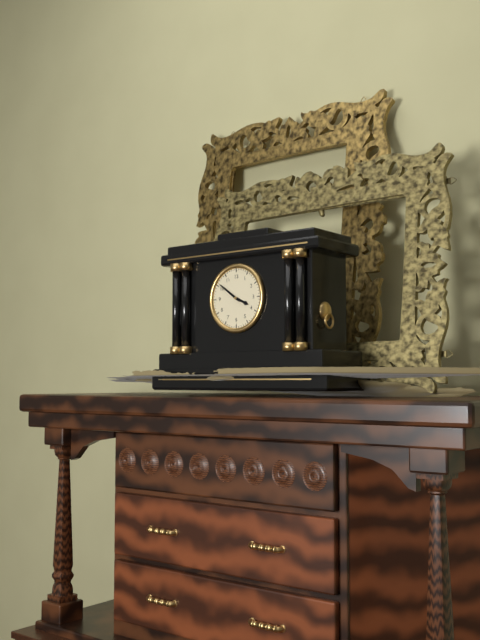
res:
3:51
